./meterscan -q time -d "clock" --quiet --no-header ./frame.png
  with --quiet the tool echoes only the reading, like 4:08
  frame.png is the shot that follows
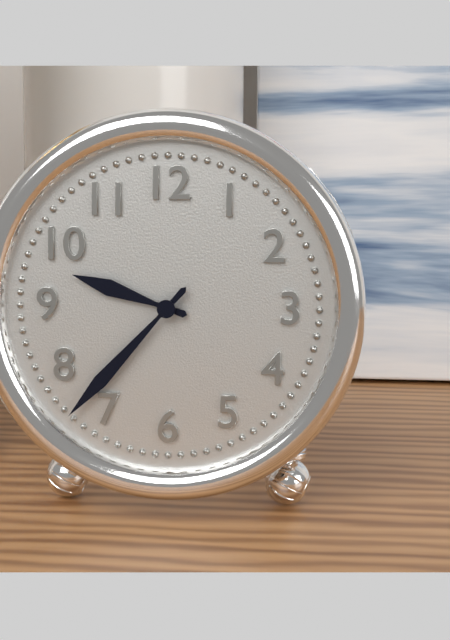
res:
9:37
